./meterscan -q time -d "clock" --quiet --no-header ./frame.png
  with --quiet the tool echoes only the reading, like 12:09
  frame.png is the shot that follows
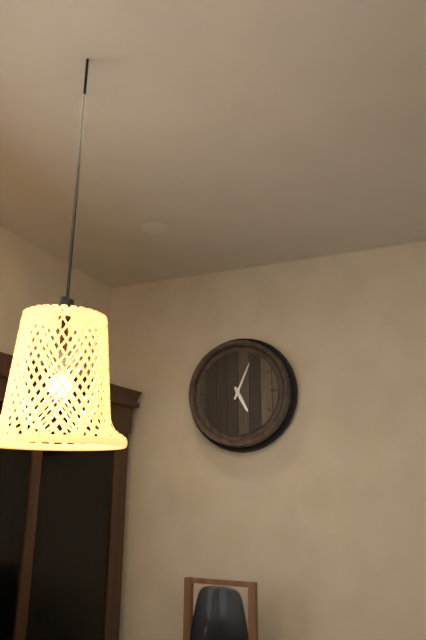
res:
5:04
